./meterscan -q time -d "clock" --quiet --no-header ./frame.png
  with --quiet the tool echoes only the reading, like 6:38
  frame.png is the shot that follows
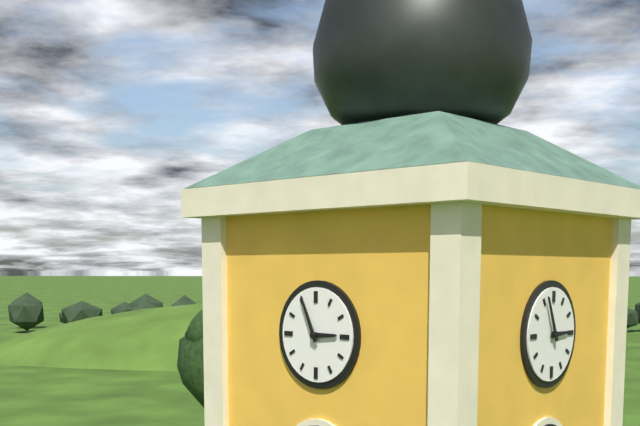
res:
2:56
